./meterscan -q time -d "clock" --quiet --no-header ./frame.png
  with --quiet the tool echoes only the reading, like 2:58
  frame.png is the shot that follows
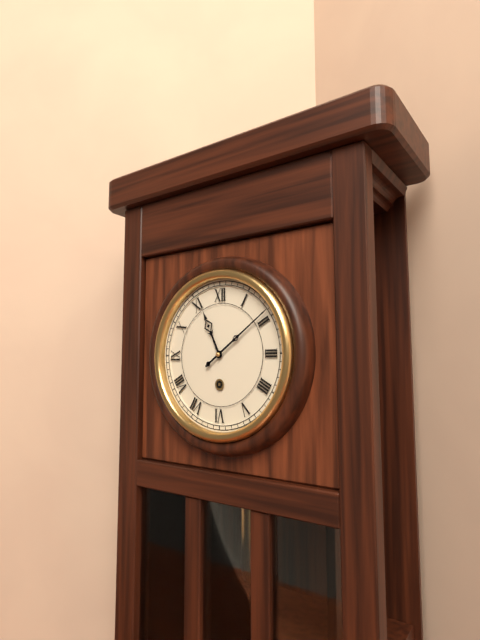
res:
11:09
